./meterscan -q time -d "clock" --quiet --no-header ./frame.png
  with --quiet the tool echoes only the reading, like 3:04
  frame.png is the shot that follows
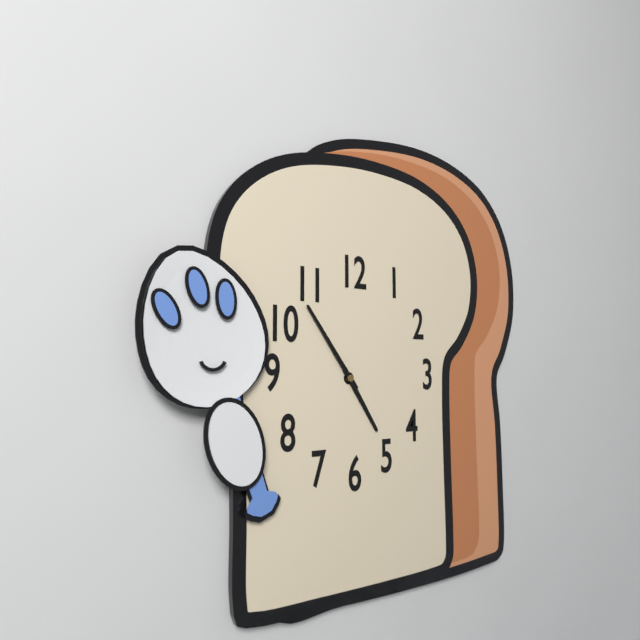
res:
4:54
